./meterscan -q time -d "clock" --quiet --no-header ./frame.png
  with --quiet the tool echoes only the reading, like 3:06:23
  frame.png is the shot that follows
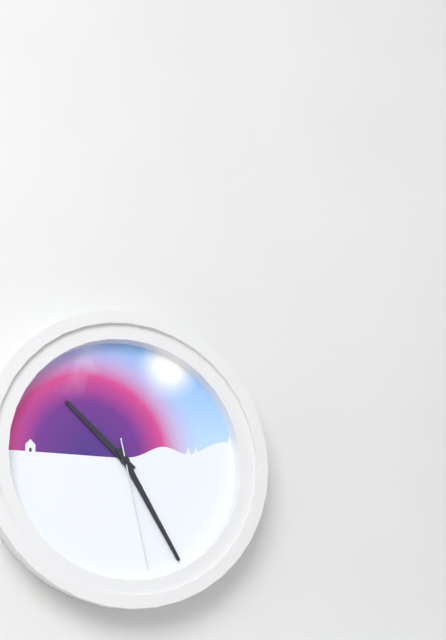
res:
10:25:28
